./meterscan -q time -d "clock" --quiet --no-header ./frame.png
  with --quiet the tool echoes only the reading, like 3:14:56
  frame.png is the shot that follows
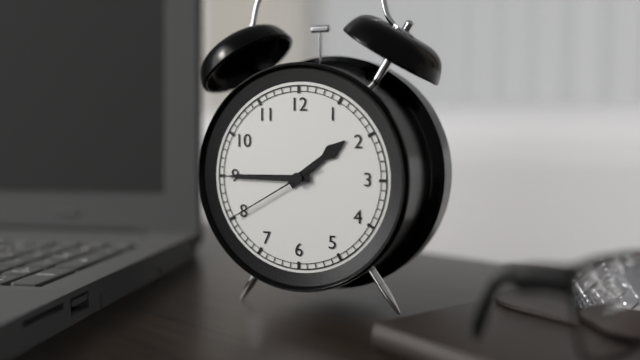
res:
1:45:40
